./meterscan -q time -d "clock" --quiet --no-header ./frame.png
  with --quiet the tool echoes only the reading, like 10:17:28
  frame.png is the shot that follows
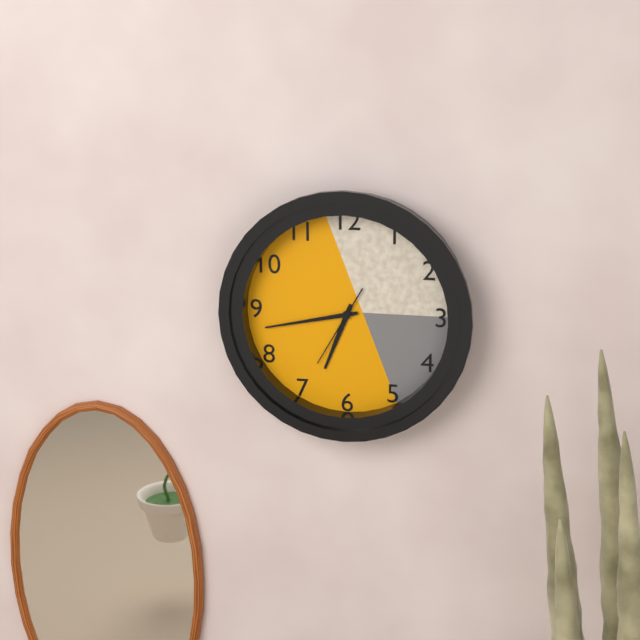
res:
6:43:35
